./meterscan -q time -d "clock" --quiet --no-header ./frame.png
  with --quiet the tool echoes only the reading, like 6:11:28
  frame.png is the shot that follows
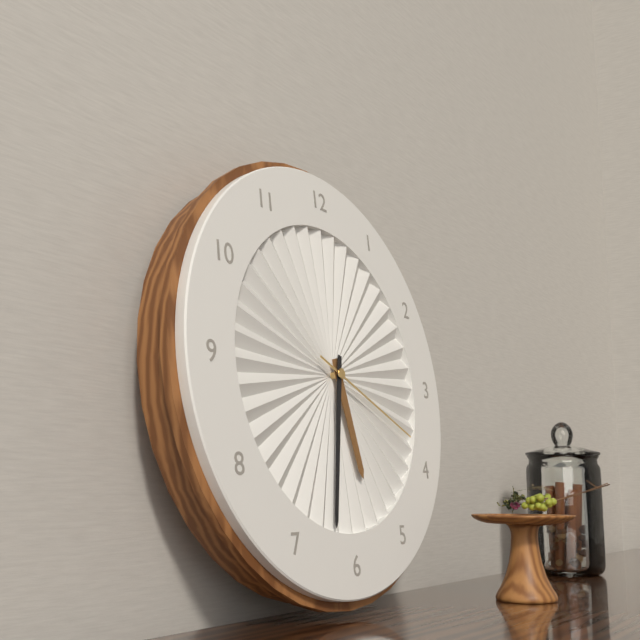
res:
5:32:19
